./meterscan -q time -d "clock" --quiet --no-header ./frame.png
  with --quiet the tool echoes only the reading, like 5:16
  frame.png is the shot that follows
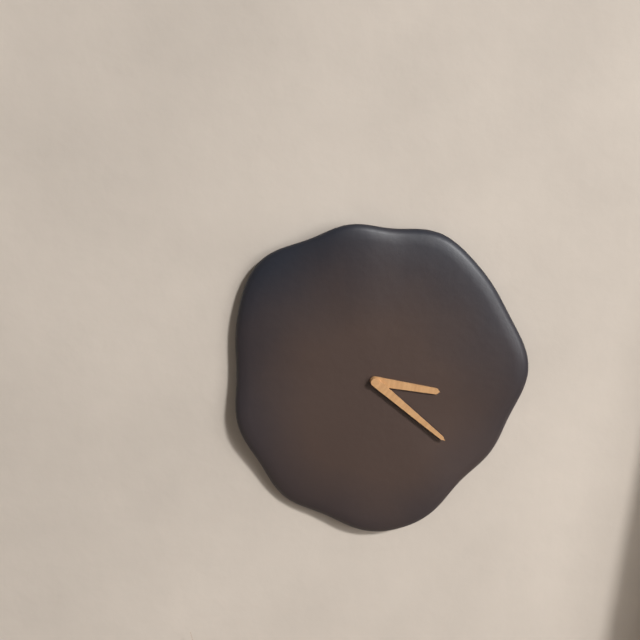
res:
3:22
